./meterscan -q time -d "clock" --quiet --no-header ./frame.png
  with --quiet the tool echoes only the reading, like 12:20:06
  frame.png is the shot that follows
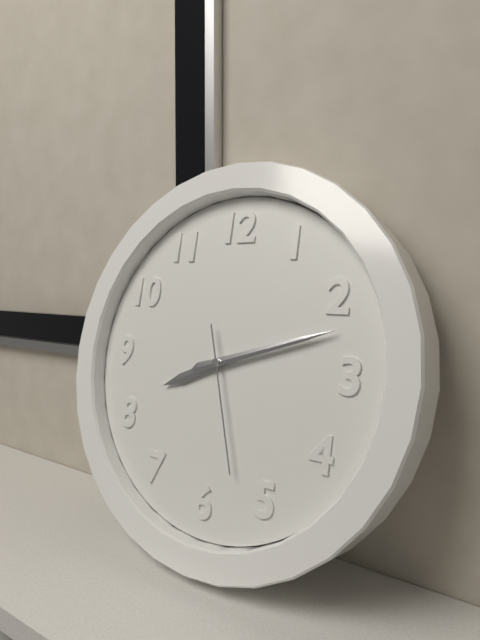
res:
8:12:27
